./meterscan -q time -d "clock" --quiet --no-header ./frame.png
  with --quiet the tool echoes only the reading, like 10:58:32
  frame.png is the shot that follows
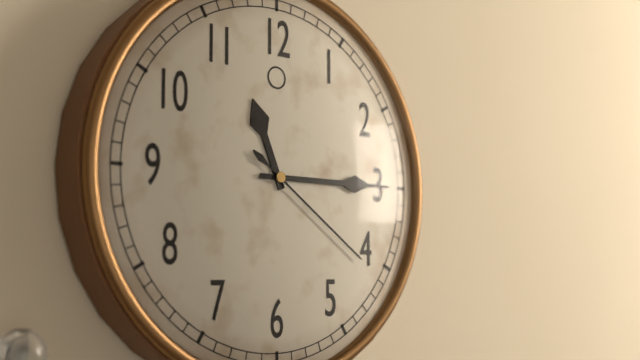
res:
11:15:21
